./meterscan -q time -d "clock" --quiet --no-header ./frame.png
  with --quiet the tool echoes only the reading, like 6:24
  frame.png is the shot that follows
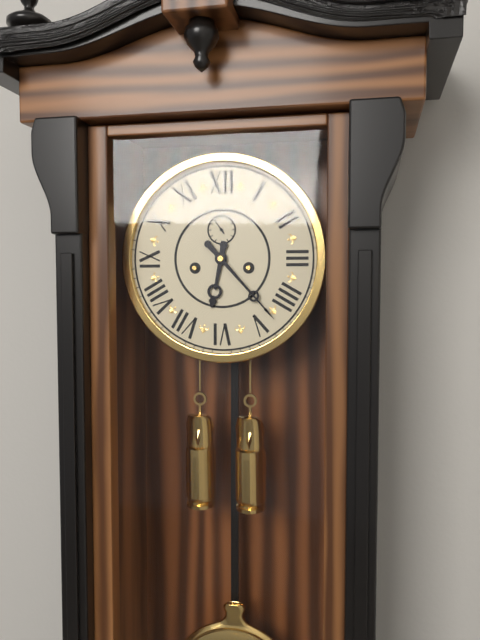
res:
6:23
